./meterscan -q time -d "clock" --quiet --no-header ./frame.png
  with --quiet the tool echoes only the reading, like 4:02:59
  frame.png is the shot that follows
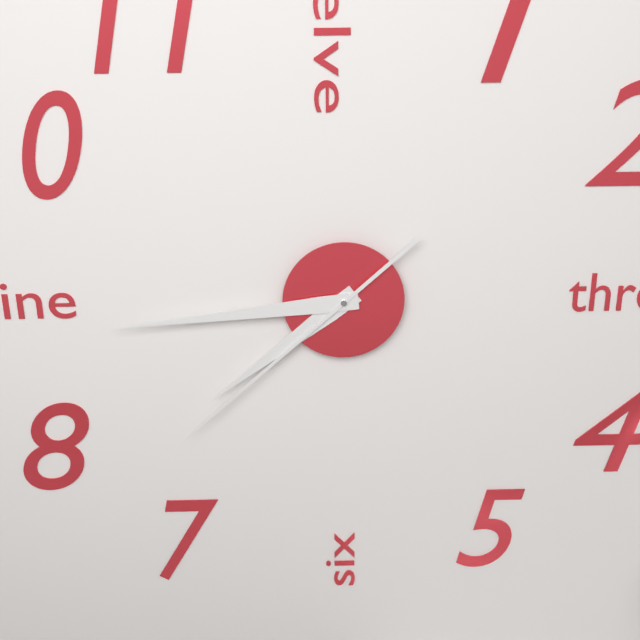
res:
7:44:38
